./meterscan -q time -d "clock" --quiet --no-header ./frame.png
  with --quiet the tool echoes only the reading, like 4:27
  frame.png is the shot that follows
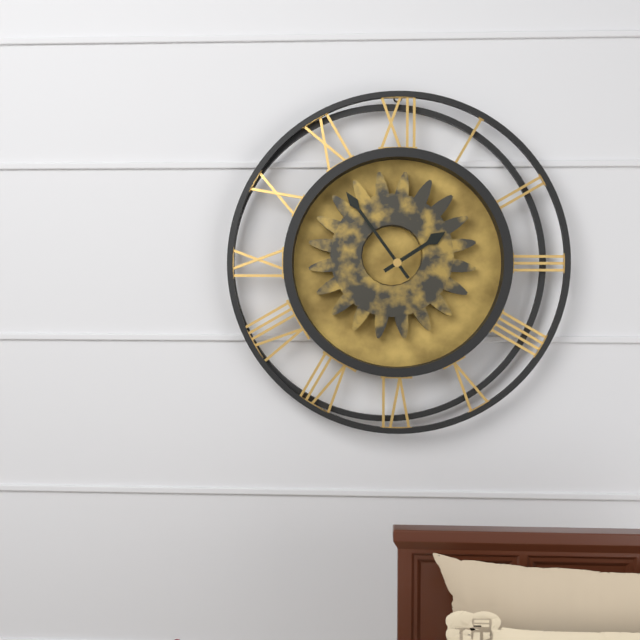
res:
1:54
